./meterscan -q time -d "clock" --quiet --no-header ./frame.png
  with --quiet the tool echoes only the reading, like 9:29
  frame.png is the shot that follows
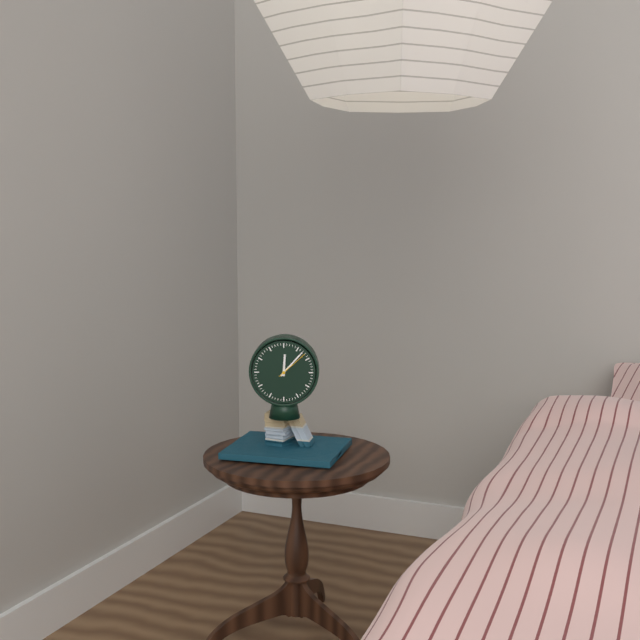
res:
12:07
